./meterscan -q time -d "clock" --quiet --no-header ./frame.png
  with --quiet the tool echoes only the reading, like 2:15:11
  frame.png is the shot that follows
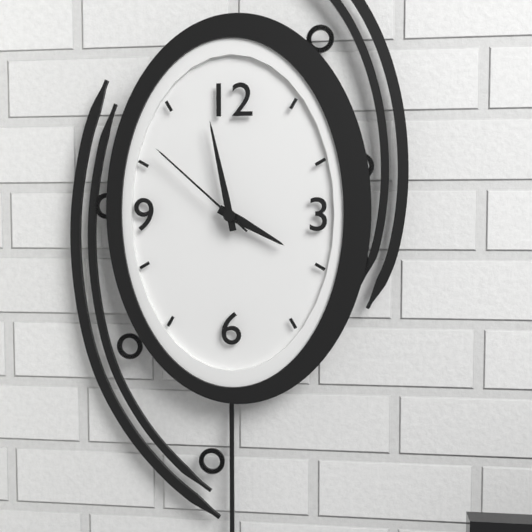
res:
3:58:52
